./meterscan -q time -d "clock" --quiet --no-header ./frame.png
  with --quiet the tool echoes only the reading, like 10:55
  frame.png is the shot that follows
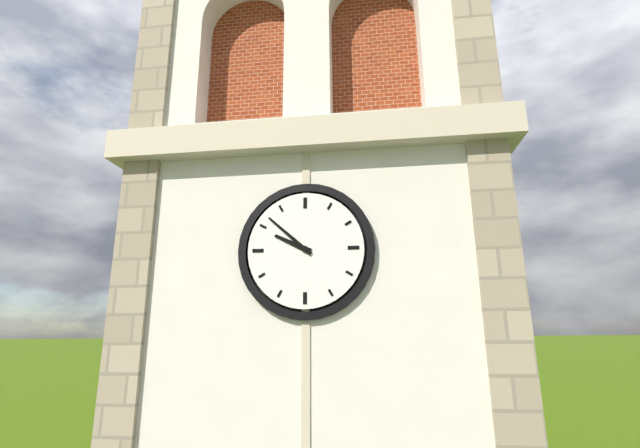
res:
9:52
